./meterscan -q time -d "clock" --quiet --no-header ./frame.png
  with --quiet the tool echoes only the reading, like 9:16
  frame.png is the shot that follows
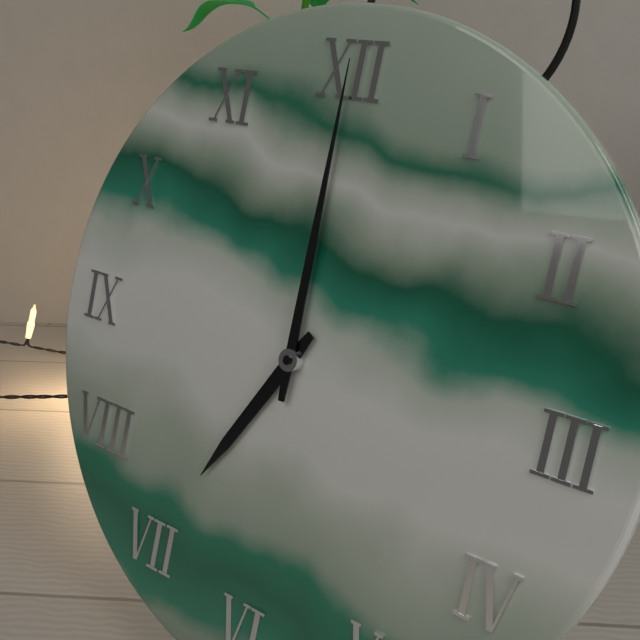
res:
7:00
